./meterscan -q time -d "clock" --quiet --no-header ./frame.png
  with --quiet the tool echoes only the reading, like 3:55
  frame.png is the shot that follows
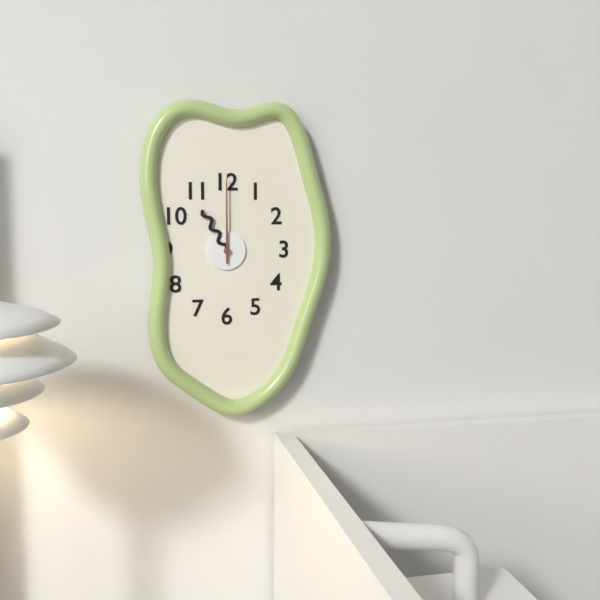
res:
11:00
